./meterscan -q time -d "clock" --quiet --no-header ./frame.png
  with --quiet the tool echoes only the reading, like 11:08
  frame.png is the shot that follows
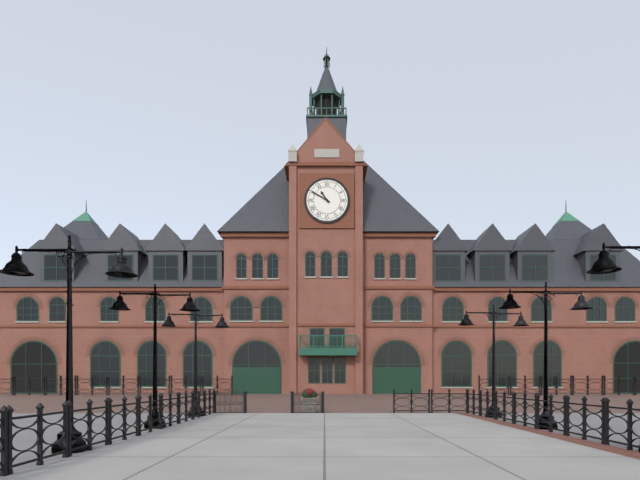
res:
10:50
